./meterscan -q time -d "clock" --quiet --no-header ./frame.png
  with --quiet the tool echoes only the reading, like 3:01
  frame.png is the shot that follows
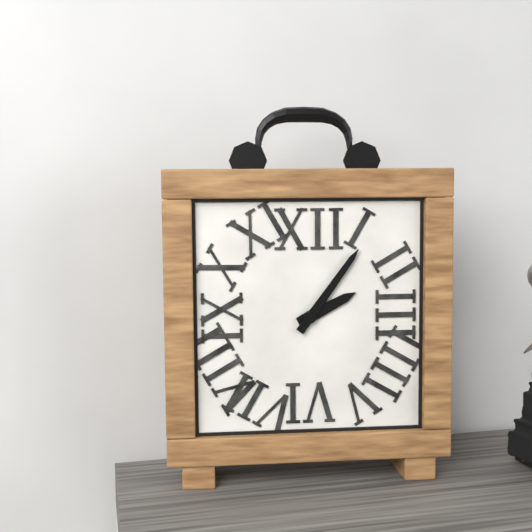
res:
2:06
